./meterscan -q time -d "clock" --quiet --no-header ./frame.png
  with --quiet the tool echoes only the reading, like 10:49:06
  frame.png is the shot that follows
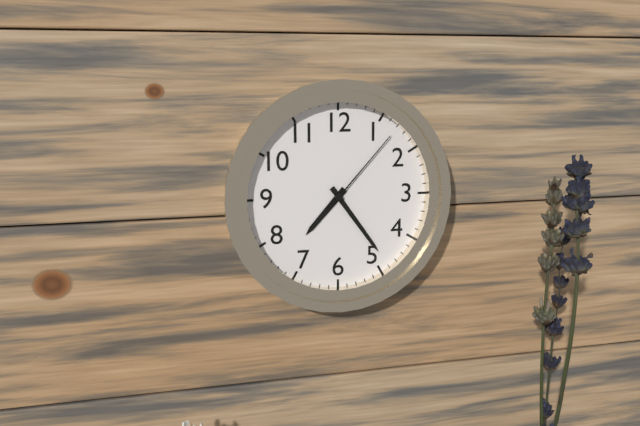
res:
7:24:07
